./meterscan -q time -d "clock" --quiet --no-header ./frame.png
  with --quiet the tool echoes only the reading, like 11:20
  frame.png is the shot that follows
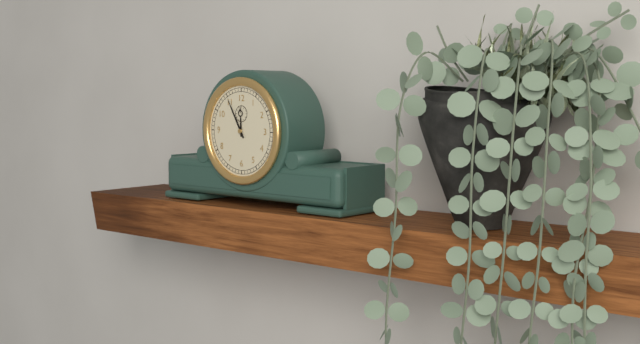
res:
11:55
